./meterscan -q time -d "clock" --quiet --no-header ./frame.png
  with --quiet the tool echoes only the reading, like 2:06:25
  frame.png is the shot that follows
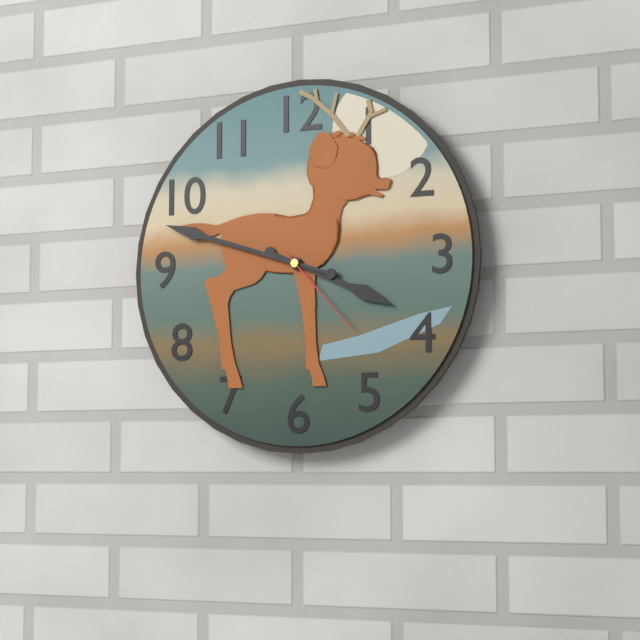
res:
3:48:23
